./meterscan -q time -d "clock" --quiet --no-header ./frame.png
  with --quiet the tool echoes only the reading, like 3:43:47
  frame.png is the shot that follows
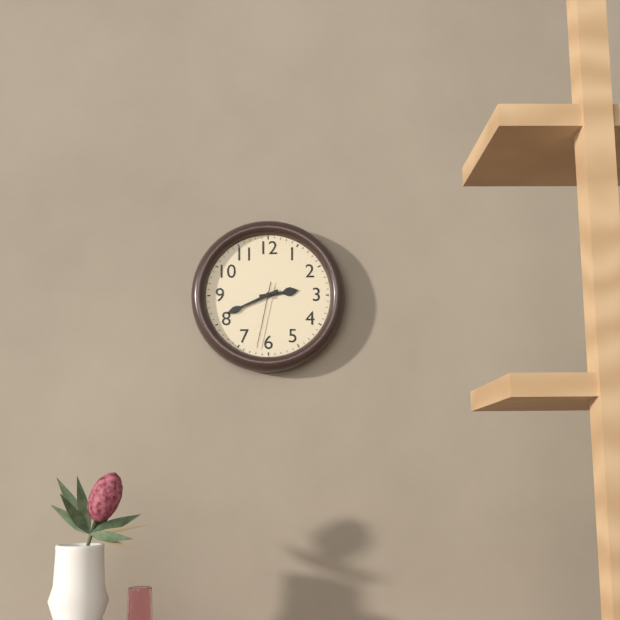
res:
2:41:32
